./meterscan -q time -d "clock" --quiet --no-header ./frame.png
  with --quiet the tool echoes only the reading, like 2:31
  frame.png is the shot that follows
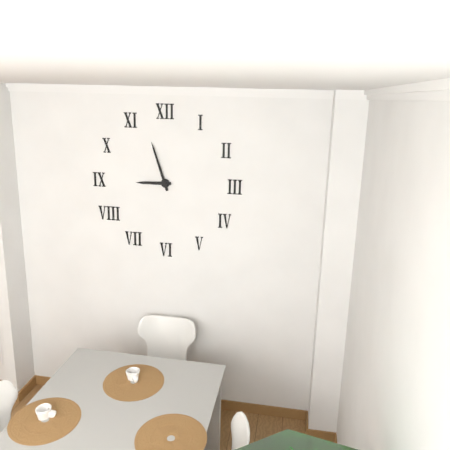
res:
8:57
